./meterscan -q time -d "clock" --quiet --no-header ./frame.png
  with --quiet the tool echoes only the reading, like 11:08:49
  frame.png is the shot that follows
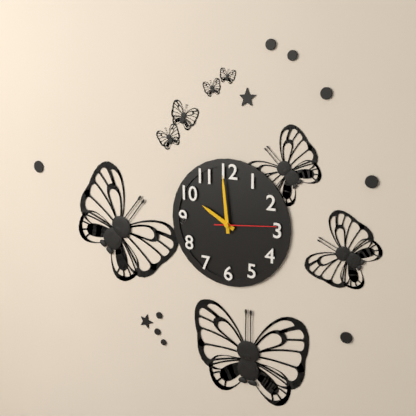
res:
9:59:14
